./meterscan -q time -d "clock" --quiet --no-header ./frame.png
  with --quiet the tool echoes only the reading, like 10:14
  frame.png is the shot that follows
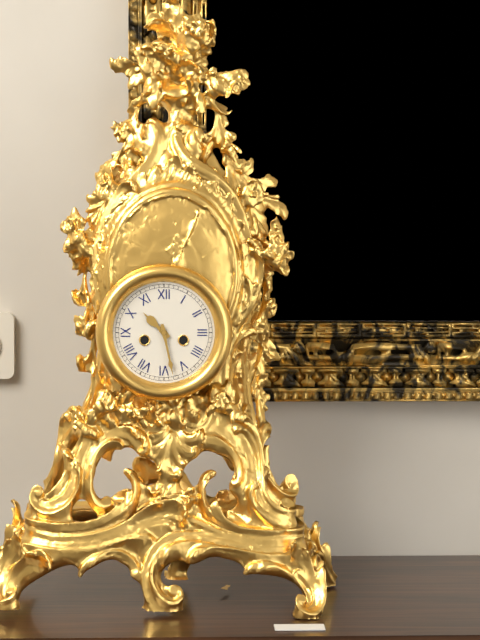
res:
10:28
